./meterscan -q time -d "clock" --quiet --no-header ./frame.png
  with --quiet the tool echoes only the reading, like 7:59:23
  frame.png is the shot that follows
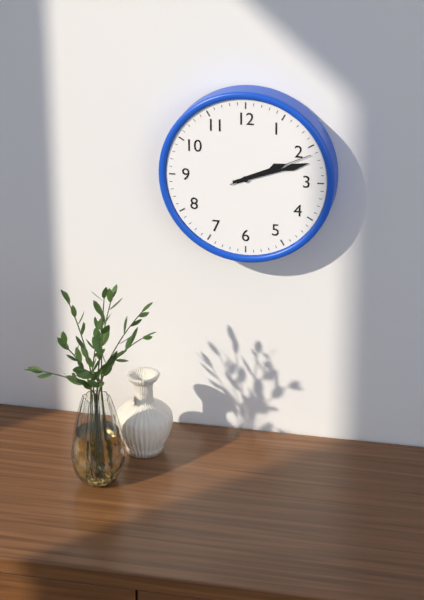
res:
2:12:11
